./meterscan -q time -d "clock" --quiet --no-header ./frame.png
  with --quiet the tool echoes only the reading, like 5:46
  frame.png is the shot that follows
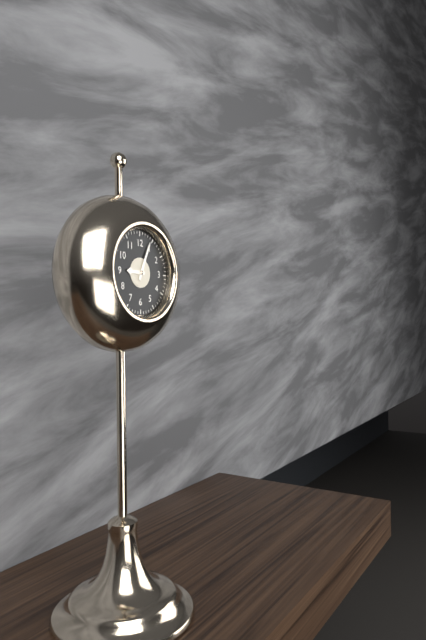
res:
9:04
